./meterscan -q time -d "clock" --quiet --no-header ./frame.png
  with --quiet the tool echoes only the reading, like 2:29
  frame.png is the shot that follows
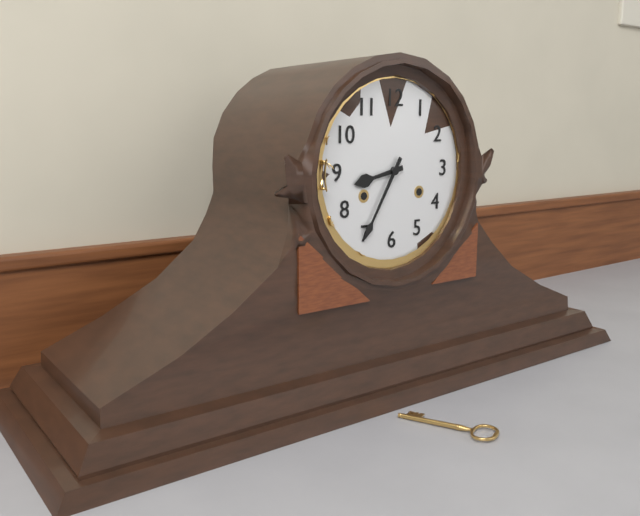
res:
8:35
